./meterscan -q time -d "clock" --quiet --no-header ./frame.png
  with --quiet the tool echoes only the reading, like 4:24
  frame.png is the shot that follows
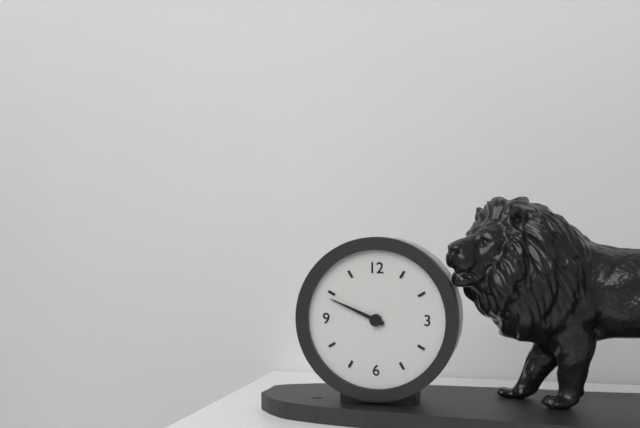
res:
9:49
